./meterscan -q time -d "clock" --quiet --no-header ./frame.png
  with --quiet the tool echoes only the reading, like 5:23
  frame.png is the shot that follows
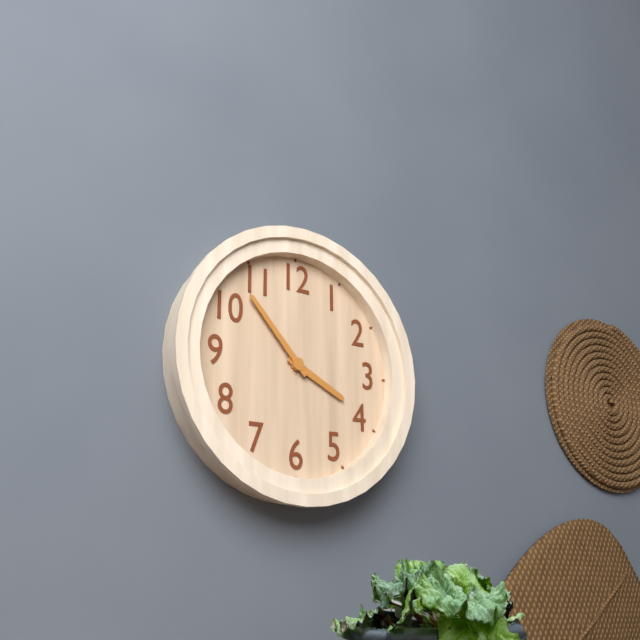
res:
3:53
